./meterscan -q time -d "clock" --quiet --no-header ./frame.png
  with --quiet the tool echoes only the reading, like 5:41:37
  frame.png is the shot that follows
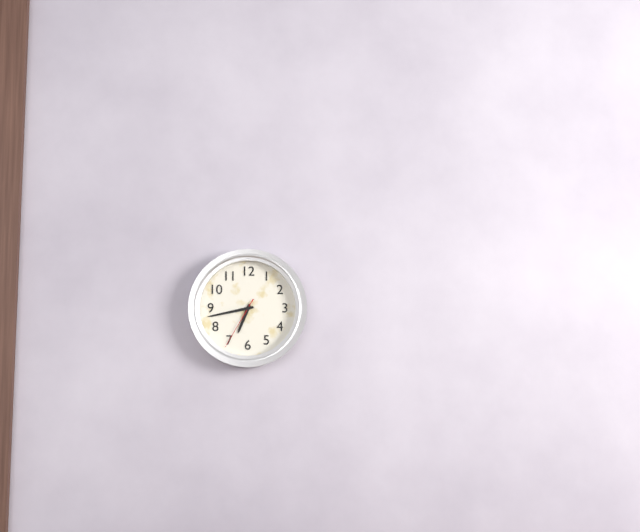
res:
6:43:35
